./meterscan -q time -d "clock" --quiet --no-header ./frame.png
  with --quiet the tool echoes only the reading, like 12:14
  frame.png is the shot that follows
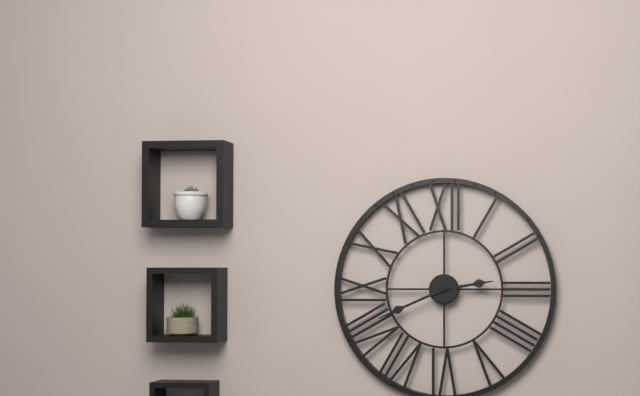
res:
2:41
